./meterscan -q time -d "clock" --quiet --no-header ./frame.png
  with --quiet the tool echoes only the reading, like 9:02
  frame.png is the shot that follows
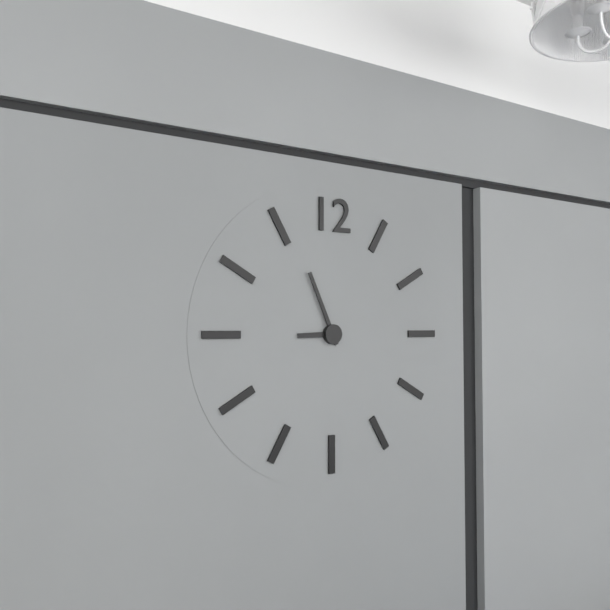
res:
8:56
